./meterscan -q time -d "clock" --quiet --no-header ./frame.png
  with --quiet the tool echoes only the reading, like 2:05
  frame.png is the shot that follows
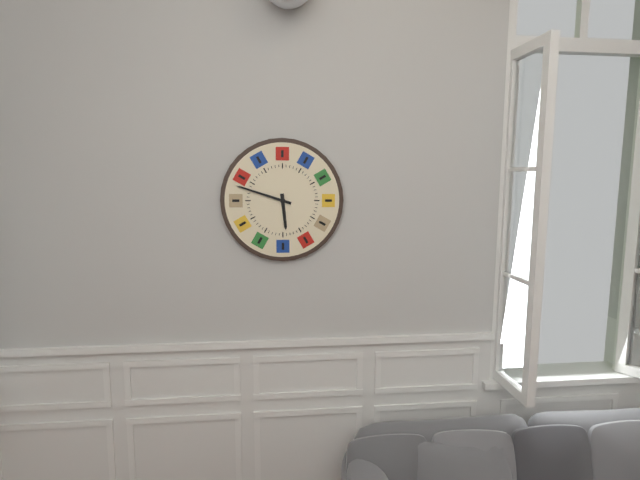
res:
5:48
